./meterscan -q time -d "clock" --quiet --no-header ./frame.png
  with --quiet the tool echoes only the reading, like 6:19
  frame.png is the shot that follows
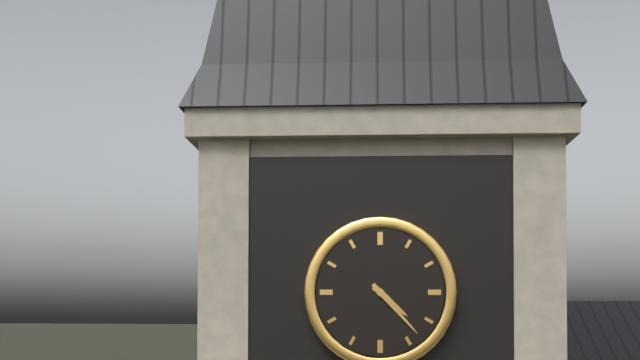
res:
4:23
